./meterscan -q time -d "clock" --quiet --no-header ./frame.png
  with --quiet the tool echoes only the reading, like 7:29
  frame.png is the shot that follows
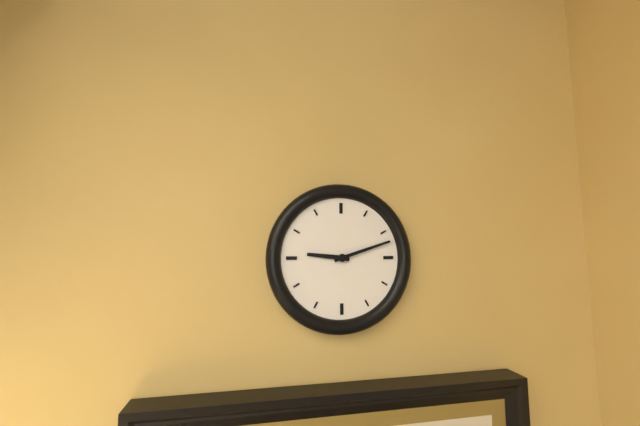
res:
9:12
